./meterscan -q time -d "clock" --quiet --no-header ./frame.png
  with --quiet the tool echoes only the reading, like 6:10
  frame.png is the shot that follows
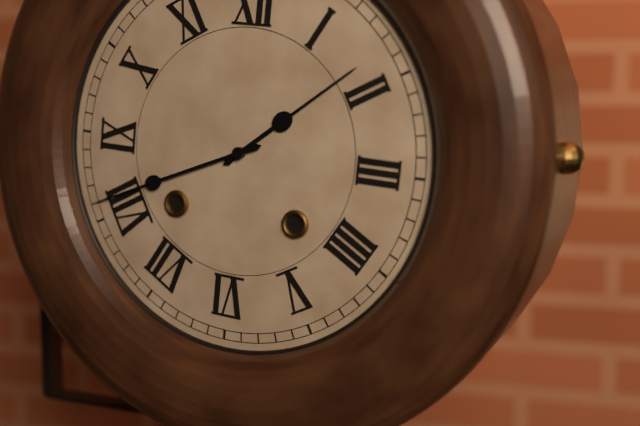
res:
1:41
